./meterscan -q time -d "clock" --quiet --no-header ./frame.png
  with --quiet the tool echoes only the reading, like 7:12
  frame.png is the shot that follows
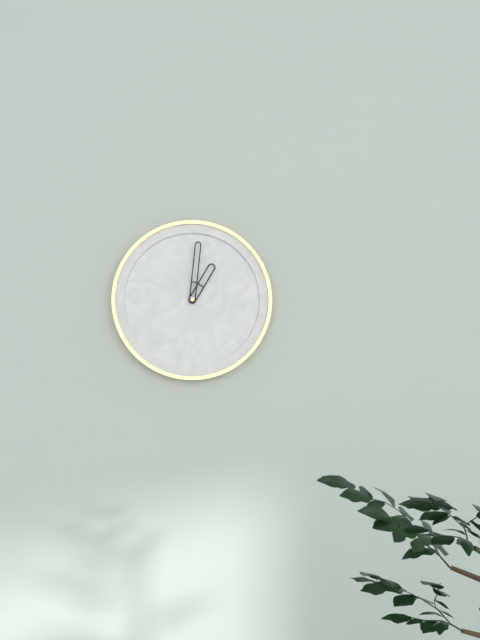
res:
1:01
